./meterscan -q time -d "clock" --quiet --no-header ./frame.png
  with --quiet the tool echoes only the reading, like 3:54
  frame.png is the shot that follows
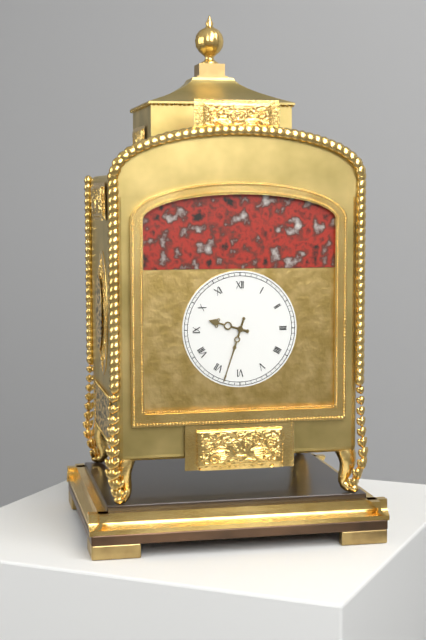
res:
9:33
